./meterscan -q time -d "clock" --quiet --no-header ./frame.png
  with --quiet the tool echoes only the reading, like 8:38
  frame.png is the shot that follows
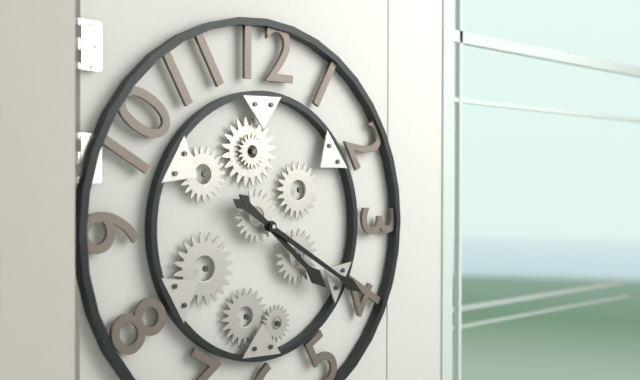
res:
4:20
